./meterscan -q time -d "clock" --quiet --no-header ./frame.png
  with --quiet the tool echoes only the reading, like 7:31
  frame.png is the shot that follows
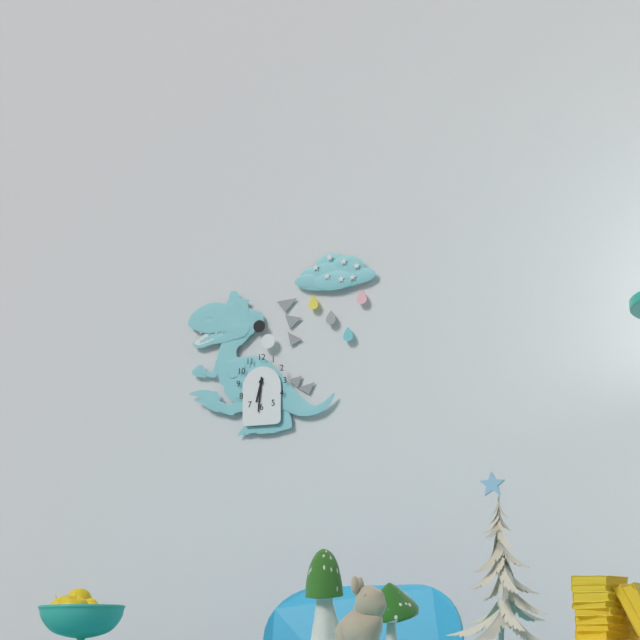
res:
6:31
